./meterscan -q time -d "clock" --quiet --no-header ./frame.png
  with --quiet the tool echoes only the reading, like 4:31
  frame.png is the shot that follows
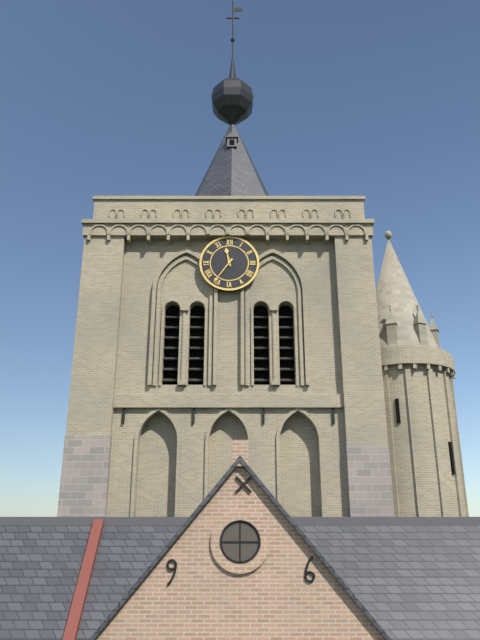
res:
11:36
